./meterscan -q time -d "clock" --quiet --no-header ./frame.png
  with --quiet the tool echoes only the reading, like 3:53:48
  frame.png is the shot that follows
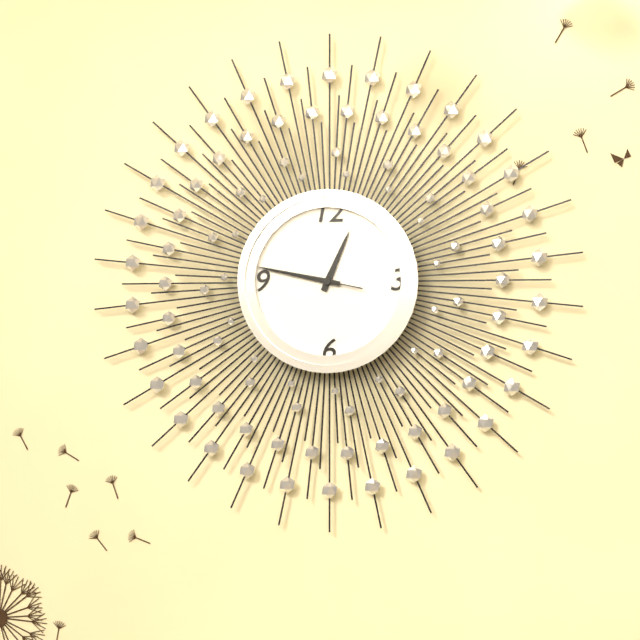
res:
12:47:47
